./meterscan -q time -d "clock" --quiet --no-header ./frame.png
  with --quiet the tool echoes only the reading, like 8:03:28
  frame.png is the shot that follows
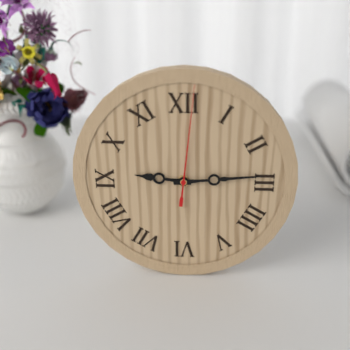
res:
9:14:01
